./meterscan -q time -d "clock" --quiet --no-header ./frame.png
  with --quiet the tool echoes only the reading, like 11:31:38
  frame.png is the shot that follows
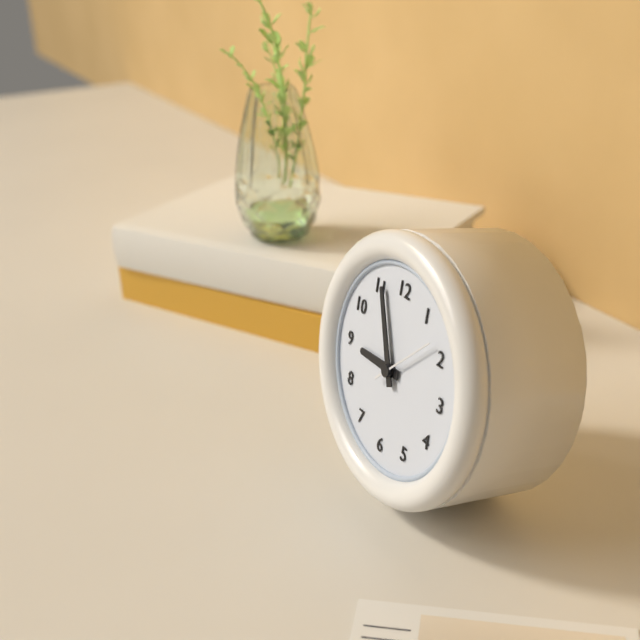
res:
8:56:08
